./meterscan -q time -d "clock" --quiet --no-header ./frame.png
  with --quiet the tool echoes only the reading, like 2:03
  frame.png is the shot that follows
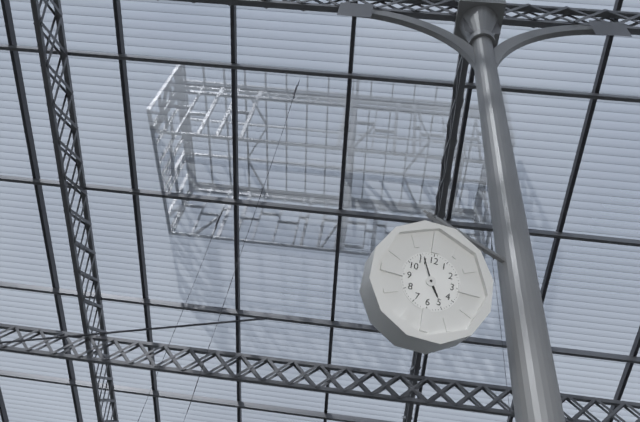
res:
4:56
